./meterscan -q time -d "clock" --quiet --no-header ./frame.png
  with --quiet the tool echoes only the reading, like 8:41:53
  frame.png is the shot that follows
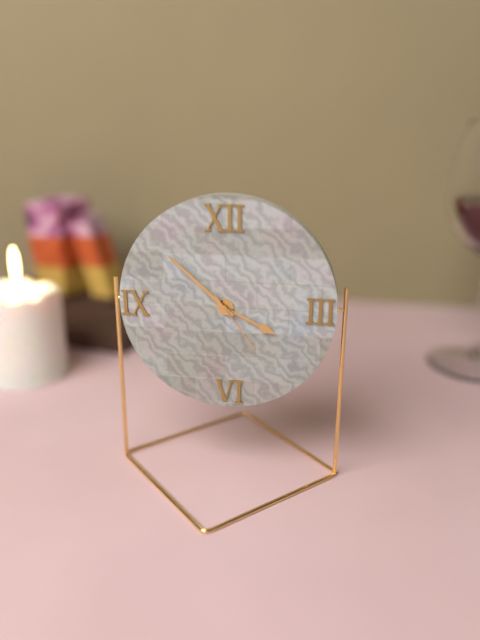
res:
3:52:24
